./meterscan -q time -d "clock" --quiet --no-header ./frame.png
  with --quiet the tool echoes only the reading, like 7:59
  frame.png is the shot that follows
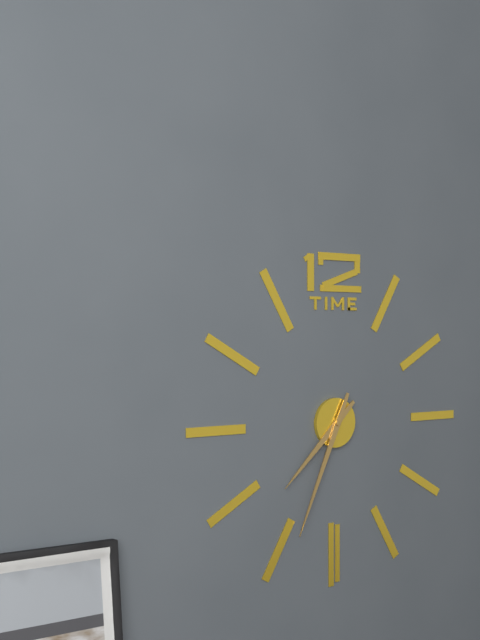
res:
7:34
